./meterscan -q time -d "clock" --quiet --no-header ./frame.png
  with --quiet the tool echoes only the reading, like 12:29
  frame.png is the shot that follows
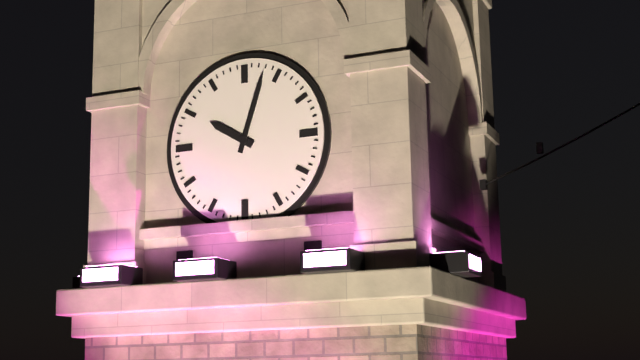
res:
10:03
